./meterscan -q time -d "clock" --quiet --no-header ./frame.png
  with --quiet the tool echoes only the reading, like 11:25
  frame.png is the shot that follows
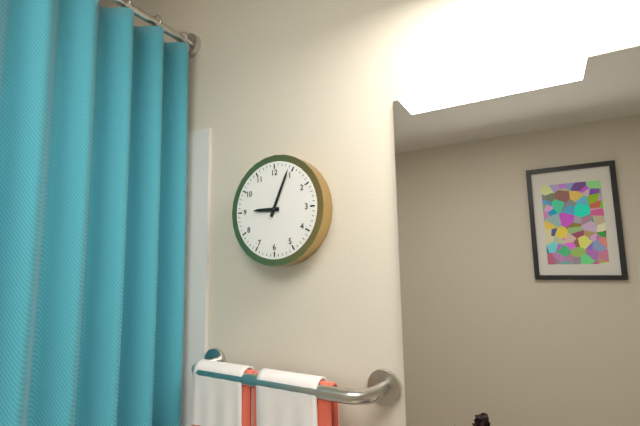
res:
9:04
